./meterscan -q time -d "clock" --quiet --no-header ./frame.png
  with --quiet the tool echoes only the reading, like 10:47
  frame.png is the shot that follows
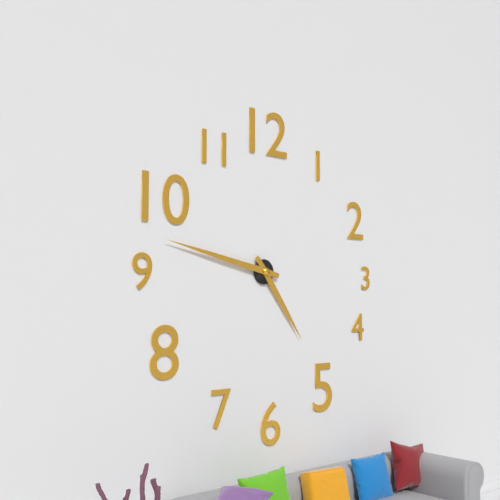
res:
4:47
